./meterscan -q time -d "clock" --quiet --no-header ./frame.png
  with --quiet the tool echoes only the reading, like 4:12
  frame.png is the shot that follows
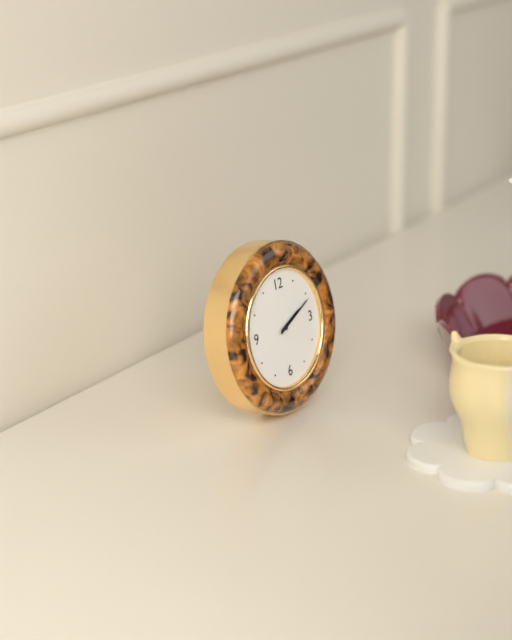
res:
2:11
